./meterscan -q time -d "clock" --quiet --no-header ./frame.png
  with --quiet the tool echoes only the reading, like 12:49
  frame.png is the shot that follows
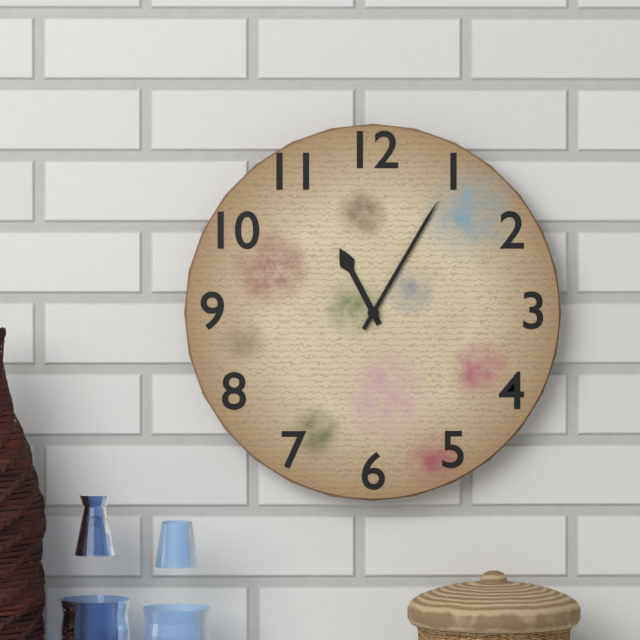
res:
11:05
